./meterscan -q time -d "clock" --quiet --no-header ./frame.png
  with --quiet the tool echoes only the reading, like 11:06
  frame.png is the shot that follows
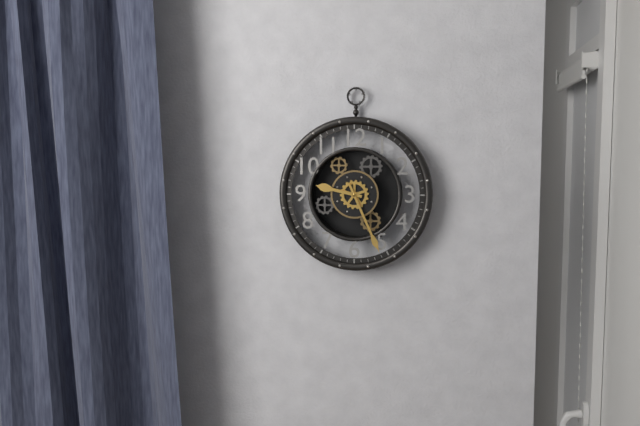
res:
9:26
